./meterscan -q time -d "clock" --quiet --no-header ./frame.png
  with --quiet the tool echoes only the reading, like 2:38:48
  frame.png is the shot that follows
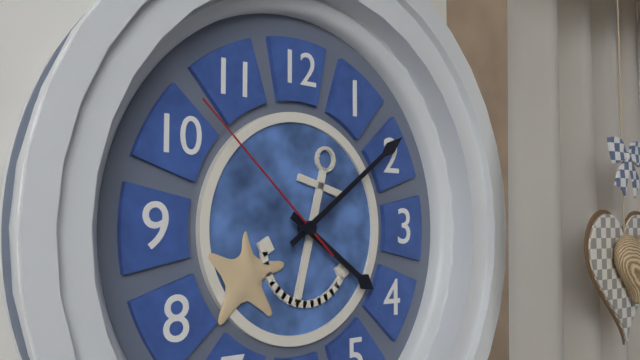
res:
4:09:52
